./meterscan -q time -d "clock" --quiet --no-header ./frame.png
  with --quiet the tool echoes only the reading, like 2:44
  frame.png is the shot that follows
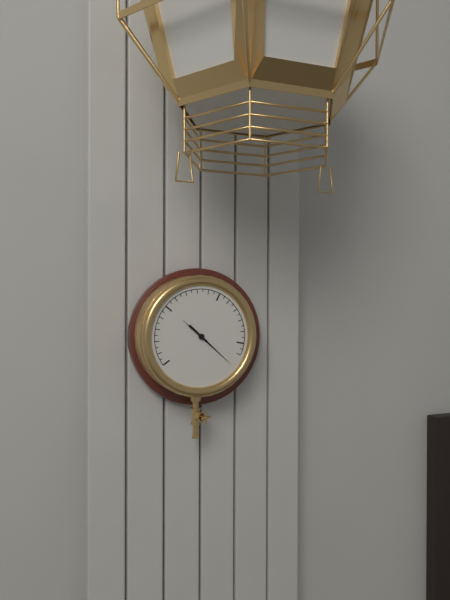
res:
10:22
